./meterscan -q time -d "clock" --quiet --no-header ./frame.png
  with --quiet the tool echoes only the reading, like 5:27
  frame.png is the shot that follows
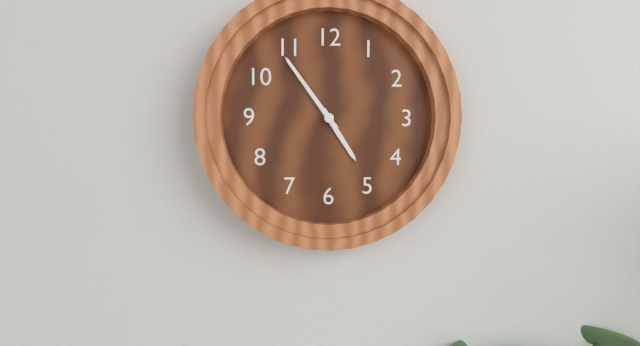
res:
4:54
